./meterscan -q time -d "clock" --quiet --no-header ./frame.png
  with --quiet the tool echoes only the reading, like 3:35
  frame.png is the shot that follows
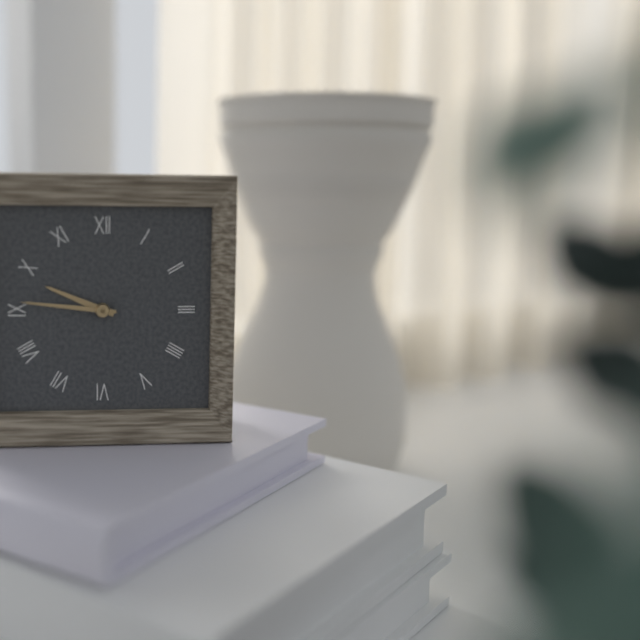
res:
9:46
